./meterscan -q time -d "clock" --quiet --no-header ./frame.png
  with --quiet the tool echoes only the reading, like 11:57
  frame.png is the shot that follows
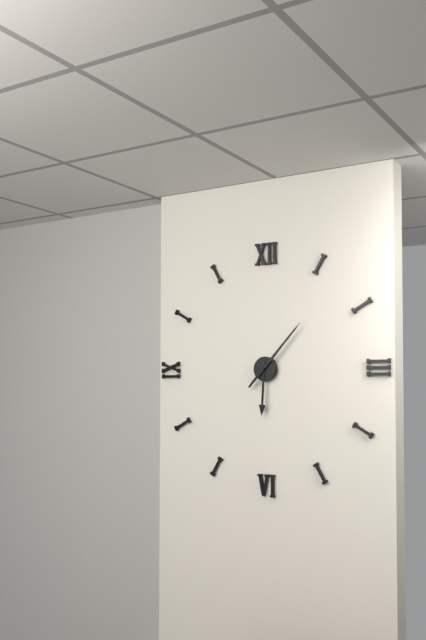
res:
6:07
